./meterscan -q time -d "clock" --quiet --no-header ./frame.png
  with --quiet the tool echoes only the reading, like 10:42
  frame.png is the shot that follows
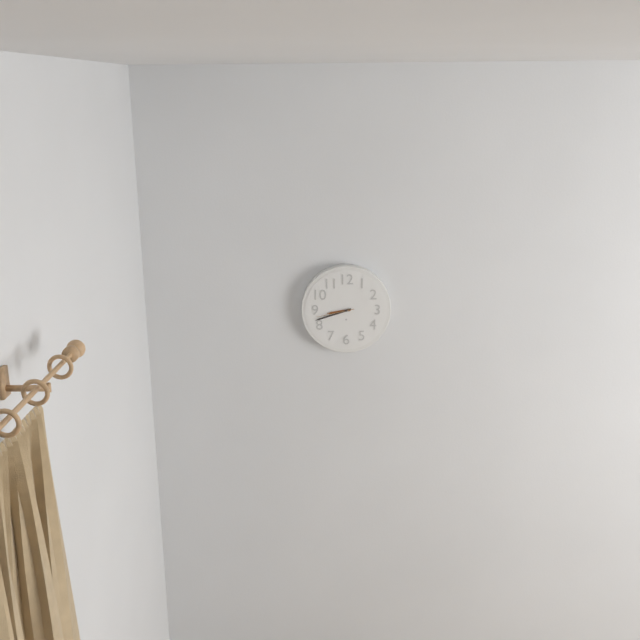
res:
8:42
